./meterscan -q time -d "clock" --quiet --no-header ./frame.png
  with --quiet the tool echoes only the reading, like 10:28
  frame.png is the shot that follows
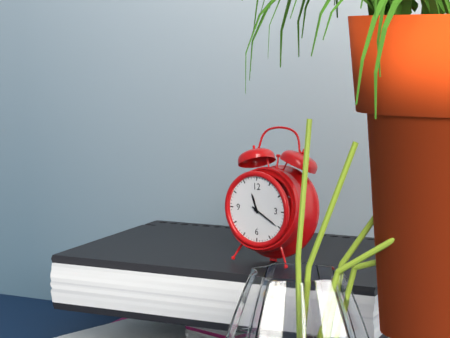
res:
11:20
